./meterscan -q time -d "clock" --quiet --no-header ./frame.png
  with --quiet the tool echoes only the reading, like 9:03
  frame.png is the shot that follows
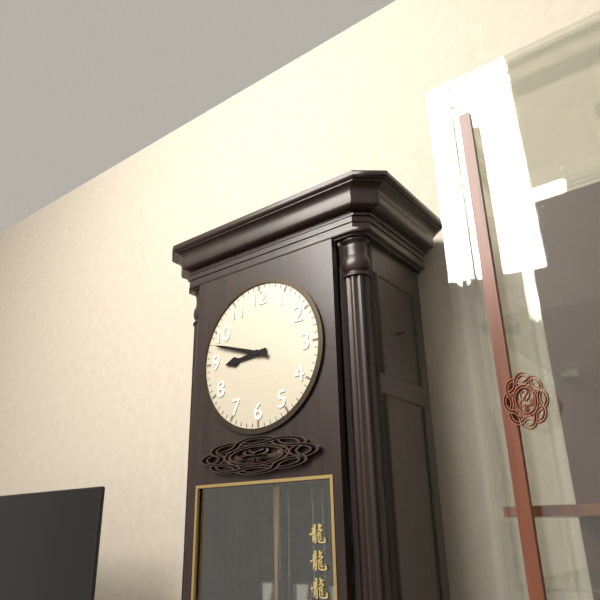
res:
8:48
